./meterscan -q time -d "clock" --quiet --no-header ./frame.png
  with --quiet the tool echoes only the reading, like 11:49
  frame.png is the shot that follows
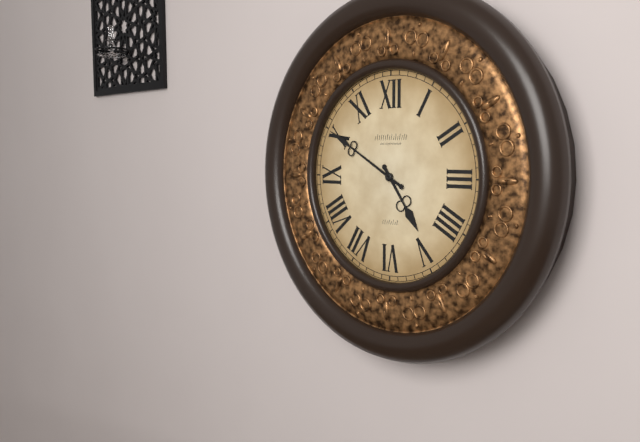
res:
4:50
